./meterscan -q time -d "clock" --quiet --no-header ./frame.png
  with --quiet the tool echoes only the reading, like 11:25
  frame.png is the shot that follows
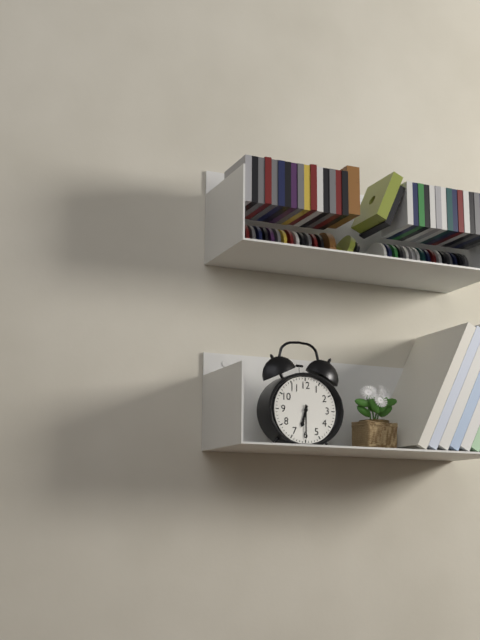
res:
6:30
